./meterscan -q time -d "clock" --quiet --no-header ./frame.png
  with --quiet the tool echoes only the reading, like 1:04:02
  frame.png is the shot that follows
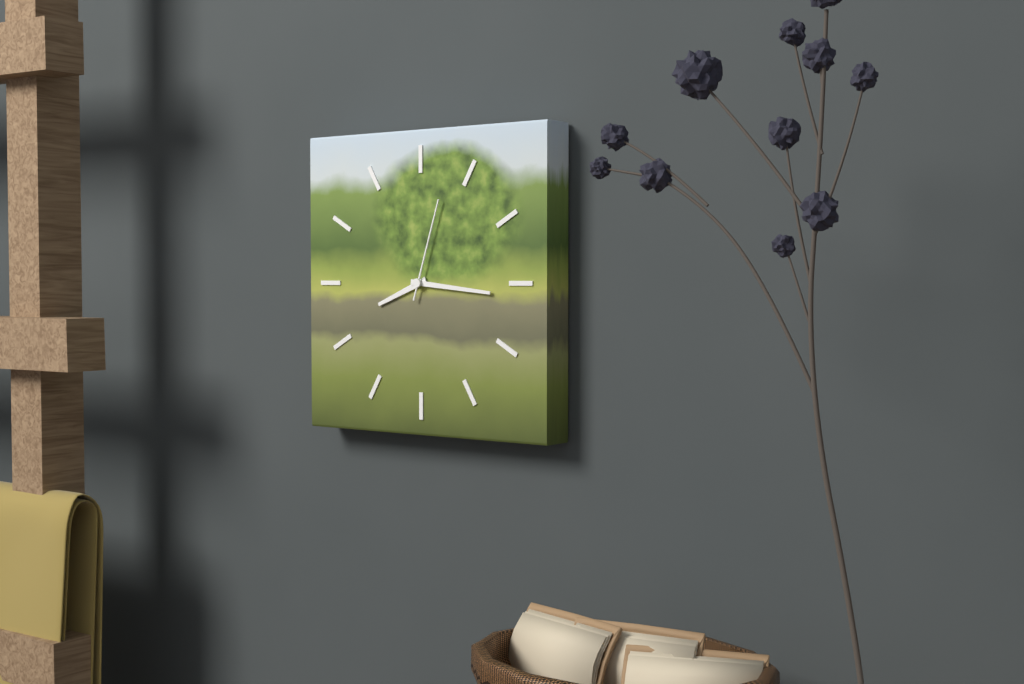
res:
8:16:03
